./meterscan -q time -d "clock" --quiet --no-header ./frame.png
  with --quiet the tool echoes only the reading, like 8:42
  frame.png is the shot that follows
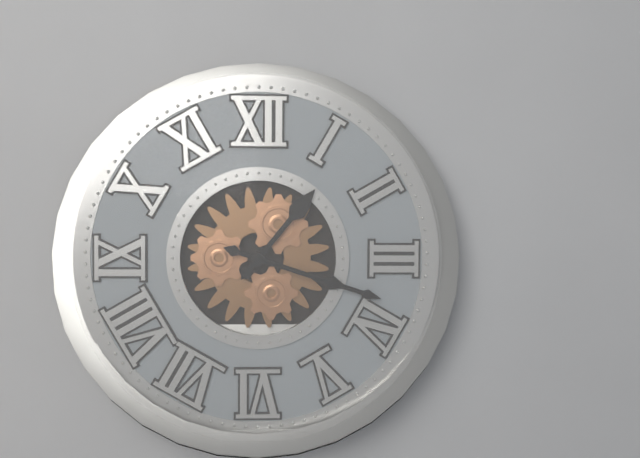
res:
1:18
